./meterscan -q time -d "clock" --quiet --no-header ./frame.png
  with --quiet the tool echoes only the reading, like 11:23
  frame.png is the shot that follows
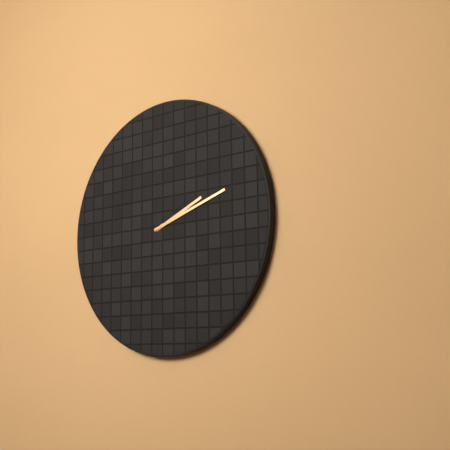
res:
2:12
